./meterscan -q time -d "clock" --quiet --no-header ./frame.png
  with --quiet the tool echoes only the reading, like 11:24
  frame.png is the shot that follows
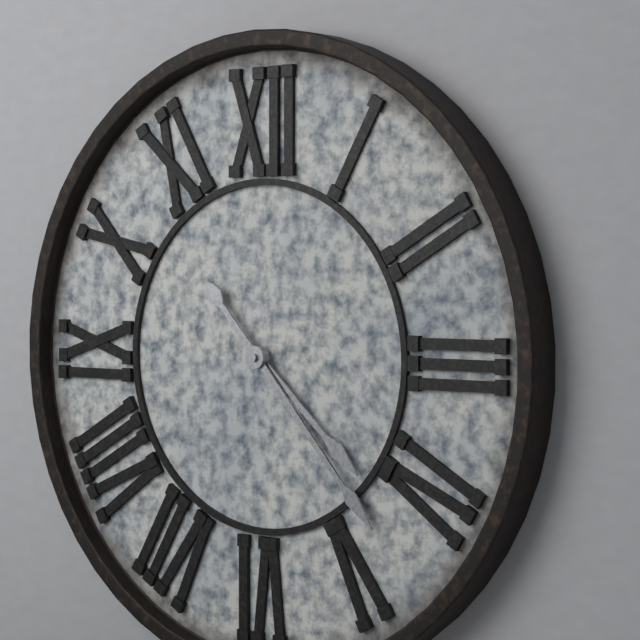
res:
4:23
